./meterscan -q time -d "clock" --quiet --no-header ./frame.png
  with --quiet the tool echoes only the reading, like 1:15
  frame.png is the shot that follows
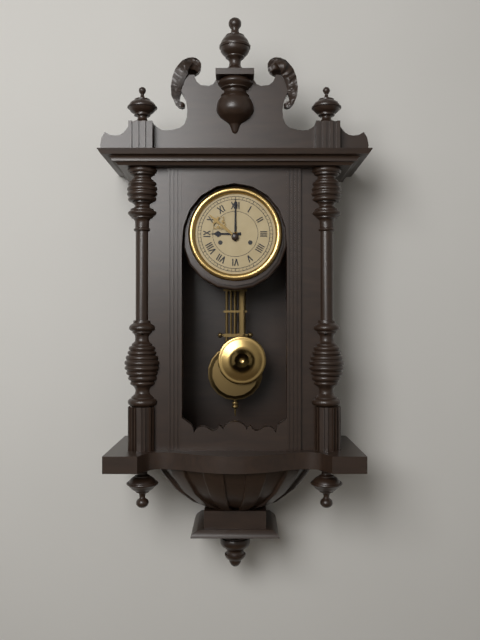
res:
9:00
